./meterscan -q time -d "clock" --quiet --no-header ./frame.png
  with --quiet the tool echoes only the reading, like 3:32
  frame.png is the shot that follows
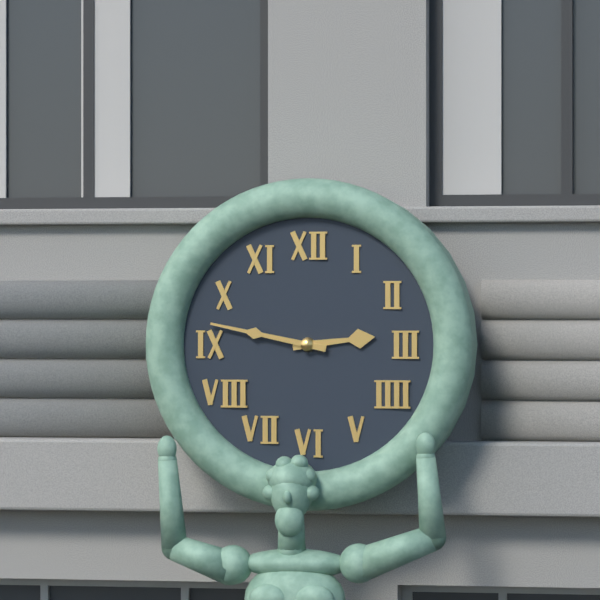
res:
2:47
